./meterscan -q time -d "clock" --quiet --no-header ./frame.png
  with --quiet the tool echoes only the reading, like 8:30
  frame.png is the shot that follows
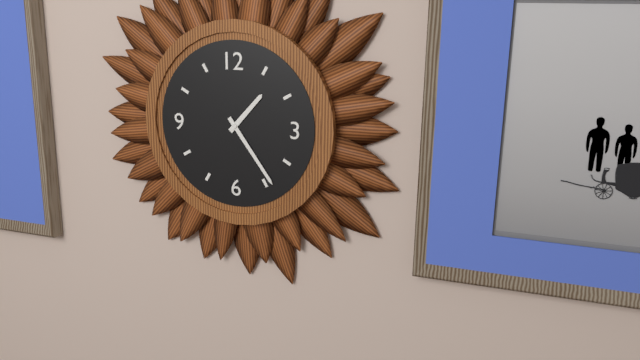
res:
1:24
